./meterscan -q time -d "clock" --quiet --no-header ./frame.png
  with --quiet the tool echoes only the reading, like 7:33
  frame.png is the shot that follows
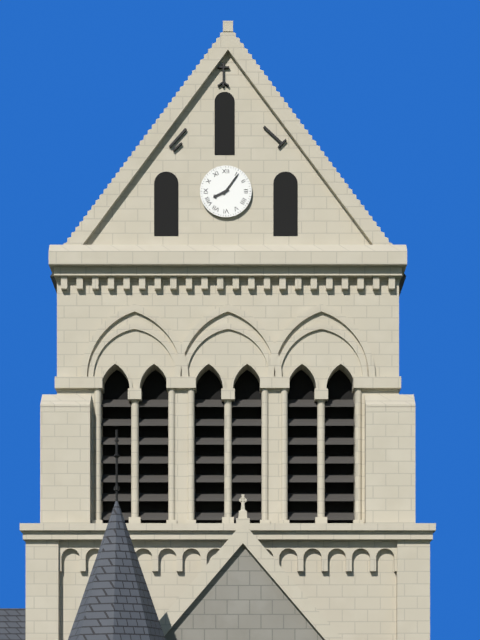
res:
8:06
